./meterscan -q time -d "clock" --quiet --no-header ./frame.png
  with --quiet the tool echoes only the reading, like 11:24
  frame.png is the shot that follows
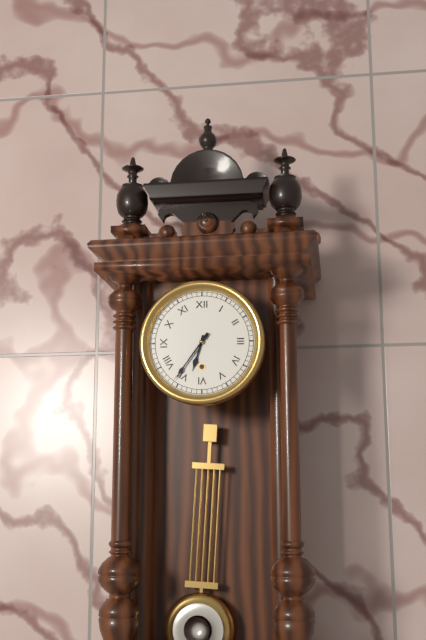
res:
6:36
